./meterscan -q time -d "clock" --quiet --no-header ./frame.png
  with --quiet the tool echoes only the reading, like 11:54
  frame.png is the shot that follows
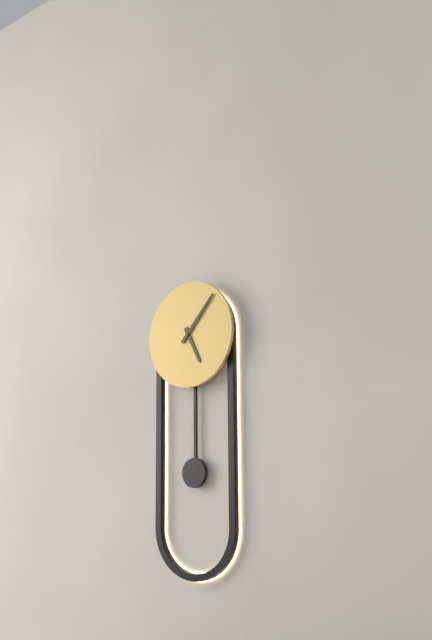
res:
5:07
